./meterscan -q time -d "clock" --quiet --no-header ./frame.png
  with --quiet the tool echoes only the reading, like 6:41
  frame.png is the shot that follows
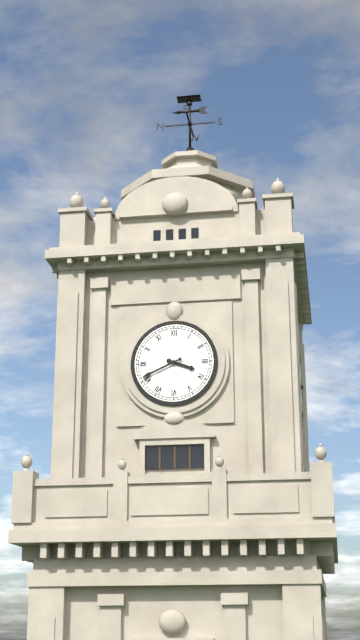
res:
3:41
